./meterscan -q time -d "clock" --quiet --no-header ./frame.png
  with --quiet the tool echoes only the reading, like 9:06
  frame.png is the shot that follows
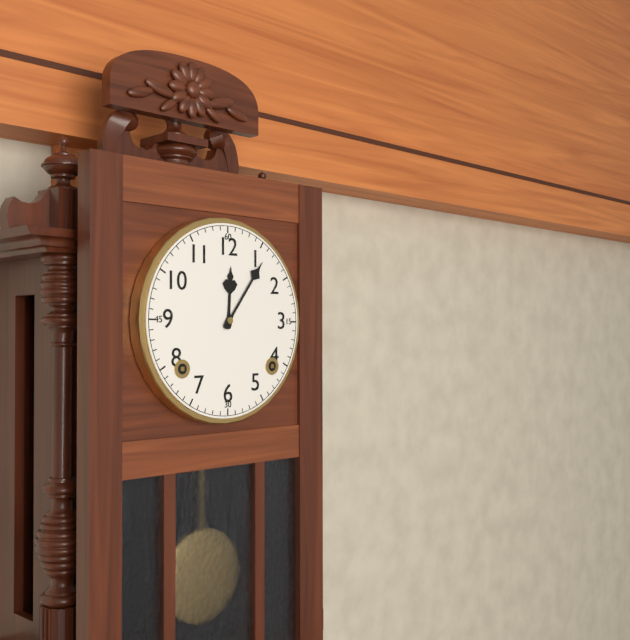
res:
12:06
